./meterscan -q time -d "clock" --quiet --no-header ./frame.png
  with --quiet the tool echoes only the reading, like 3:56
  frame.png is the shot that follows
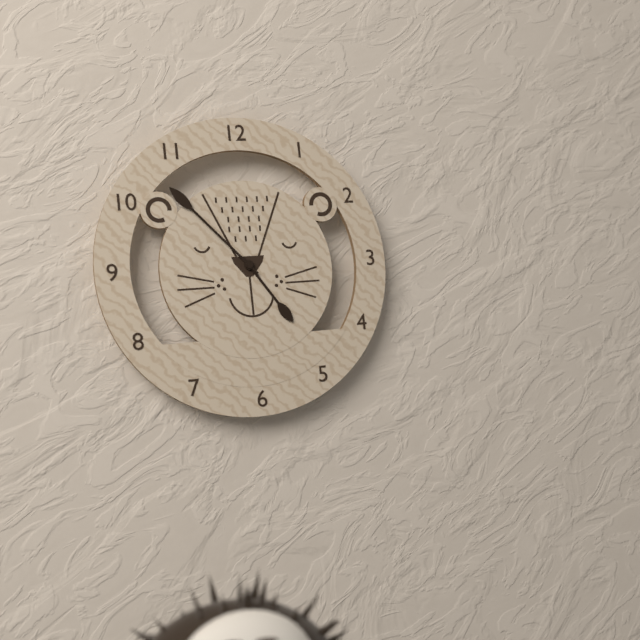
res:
4:53
